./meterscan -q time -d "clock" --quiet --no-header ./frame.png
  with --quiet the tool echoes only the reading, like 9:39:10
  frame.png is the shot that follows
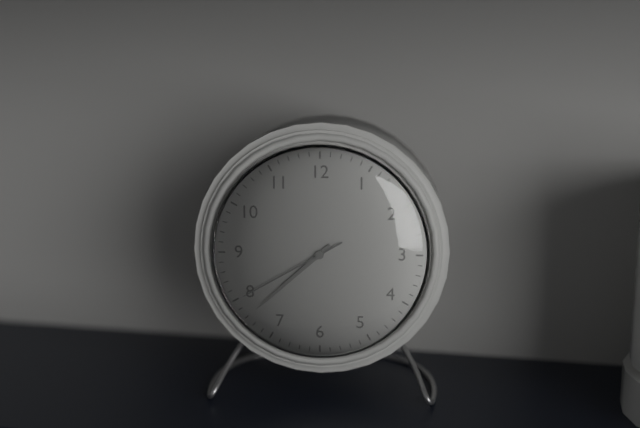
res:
7:38:40
